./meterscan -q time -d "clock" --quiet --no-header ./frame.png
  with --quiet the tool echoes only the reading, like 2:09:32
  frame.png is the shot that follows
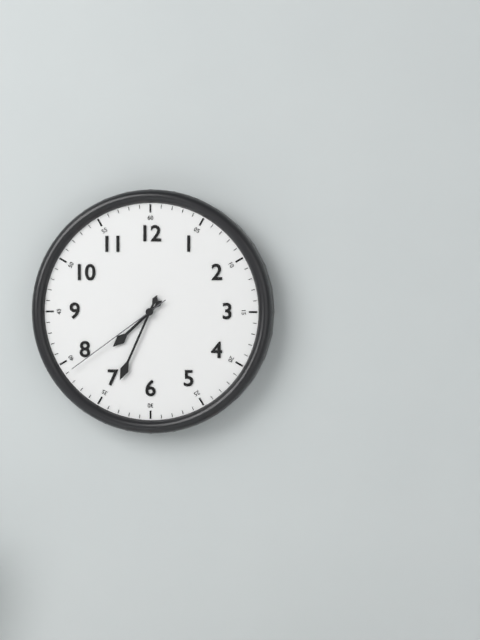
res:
7:34:39
